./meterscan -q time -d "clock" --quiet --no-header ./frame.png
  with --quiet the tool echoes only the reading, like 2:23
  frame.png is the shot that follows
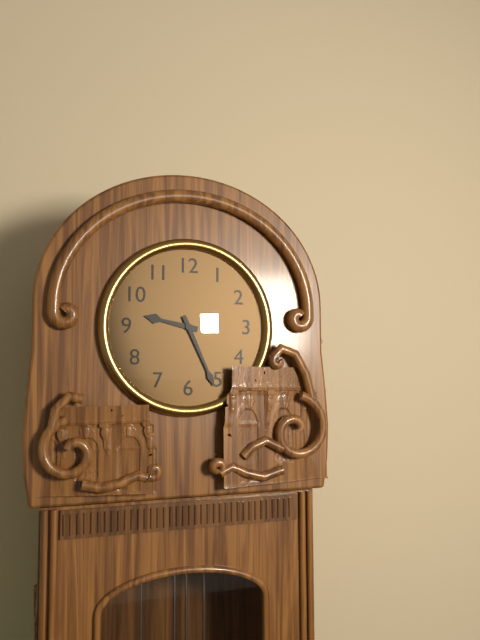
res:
9:26
